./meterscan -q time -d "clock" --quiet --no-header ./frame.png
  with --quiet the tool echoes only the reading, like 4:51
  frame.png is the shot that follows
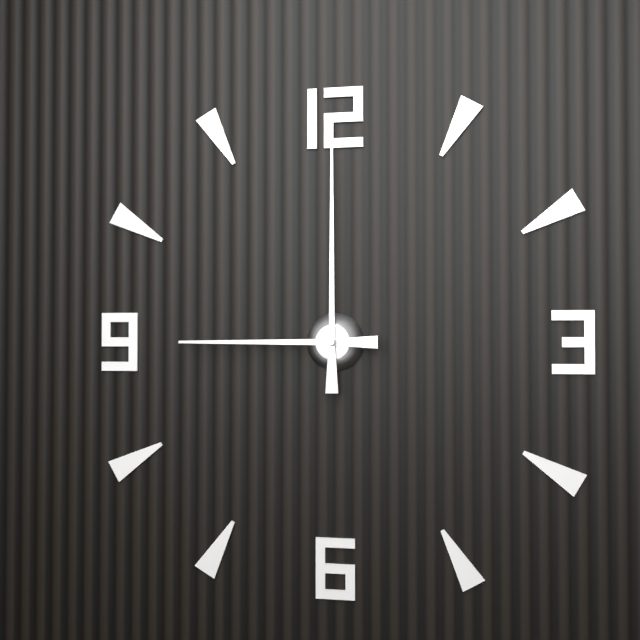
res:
9:00
